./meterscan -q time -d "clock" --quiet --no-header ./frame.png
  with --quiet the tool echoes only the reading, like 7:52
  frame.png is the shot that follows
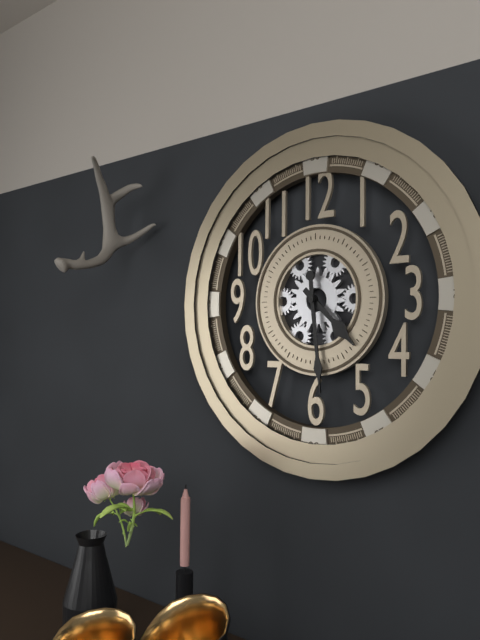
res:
4:29
